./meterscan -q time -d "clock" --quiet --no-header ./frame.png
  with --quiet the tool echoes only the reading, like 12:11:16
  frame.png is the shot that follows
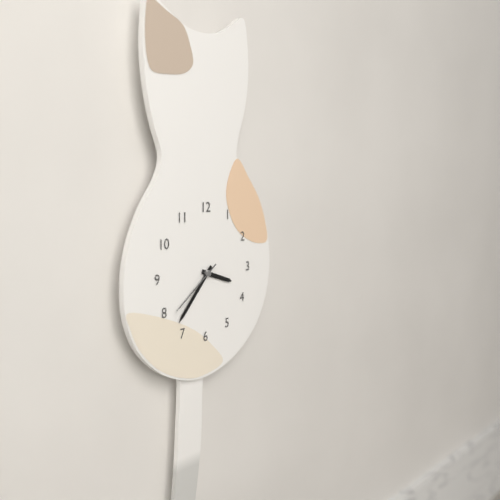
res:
3:37:39
